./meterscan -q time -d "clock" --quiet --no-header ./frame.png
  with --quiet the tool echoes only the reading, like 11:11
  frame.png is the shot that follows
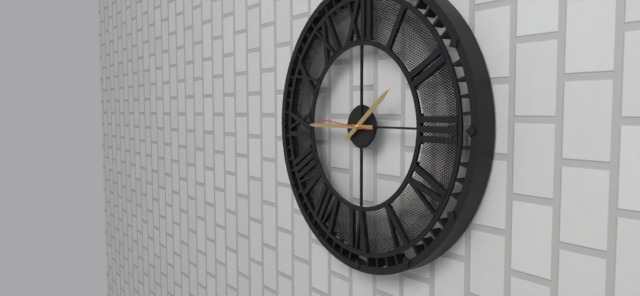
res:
1:45
